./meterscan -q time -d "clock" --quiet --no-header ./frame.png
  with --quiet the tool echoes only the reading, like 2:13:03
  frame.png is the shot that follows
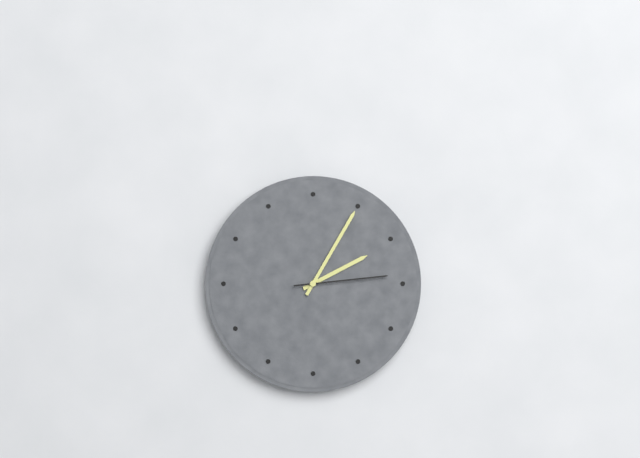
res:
2:05:14
